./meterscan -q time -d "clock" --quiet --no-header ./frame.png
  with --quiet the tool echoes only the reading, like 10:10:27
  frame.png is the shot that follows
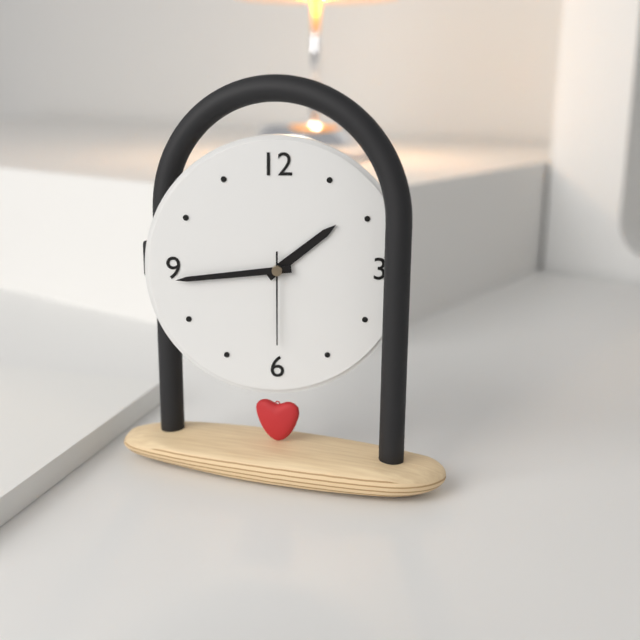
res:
1:44:30
